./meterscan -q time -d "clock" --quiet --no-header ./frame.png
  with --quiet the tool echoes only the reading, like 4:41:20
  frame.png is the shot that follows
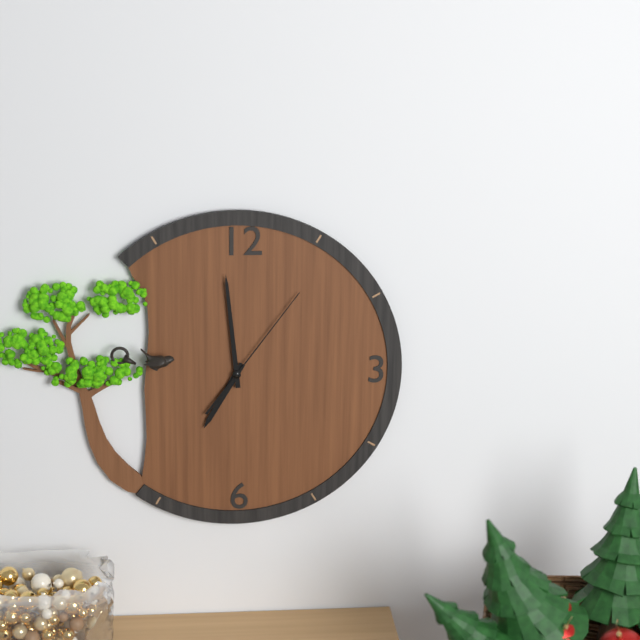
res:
6:59:06
